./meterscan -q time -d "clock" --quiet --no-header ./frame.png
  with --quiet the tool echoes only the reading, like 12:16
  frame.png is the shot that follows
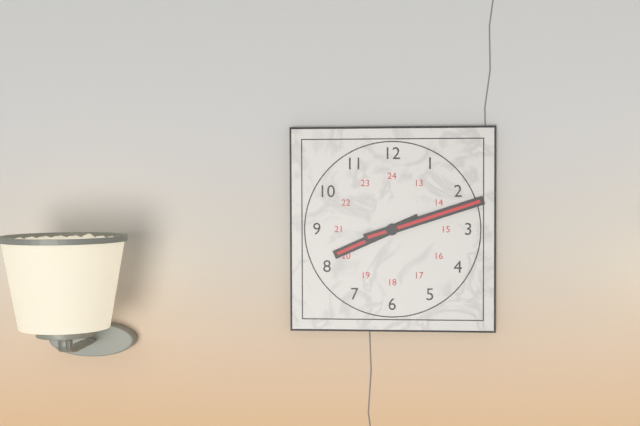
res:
8:12
